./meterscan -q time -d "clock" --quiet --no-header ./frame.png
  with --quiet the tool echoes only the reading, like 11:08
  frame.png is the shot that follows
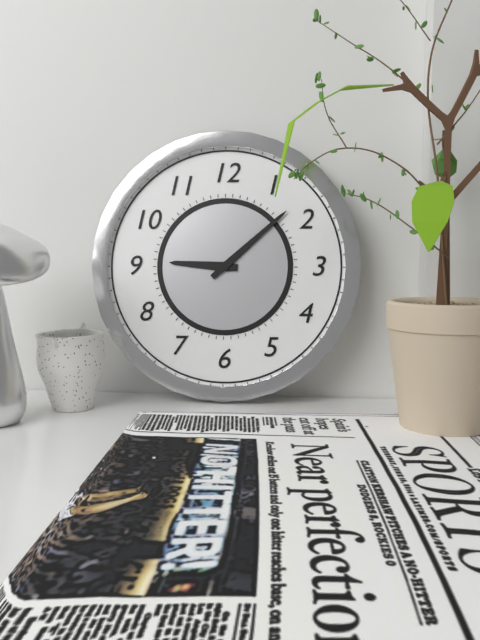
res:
9:08
